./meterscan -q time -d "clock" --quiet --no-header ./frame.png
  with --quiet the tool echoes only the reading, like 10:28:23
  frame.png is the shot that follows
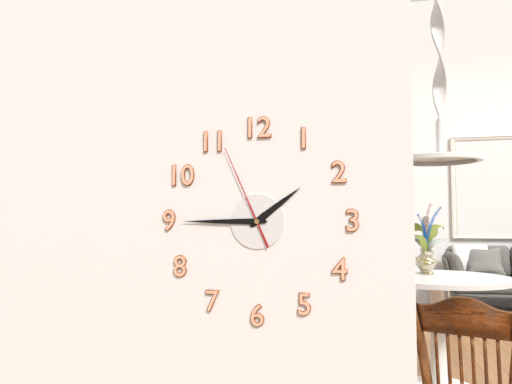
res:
1:45:56
